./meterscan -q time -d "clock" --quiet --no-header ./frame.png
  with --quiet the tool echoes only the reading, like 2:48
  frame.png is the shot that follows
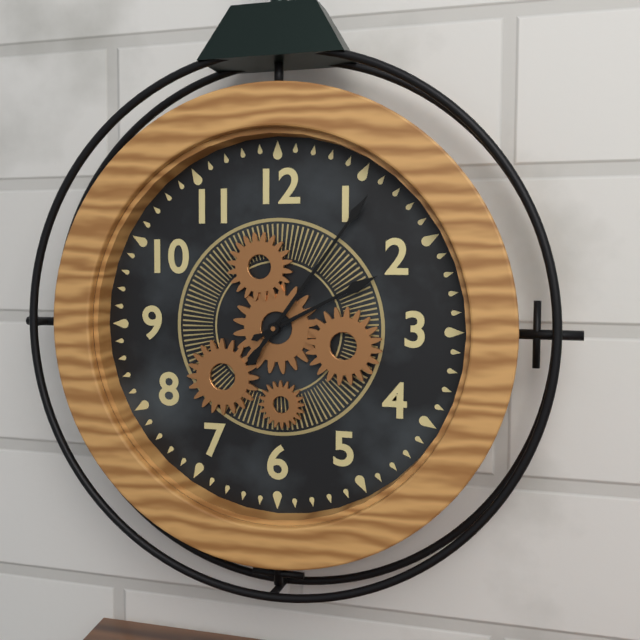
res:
2:06
